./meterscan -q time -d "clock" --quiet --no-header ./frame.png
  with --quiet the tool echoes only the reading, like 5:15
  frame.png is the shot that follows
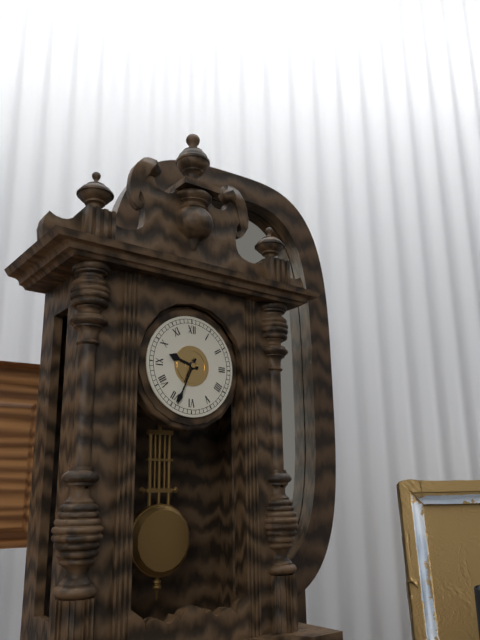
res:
9:34
